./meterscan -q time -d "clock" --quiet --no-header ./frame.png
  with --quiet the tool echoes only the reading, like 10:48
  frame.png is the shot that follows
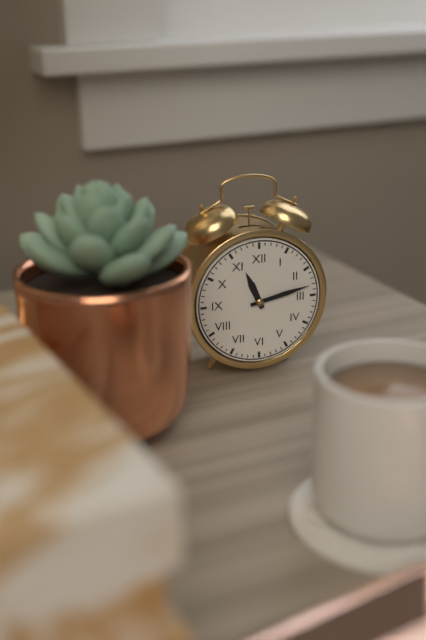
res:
11:13
